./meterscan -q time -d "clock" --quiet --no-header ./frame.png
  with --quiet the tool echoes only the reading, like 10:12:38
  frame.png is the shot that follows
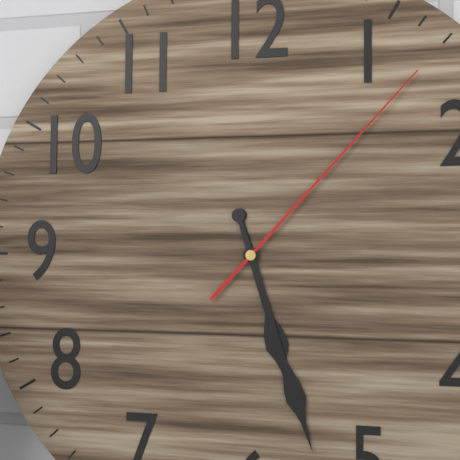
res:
5:27:07
